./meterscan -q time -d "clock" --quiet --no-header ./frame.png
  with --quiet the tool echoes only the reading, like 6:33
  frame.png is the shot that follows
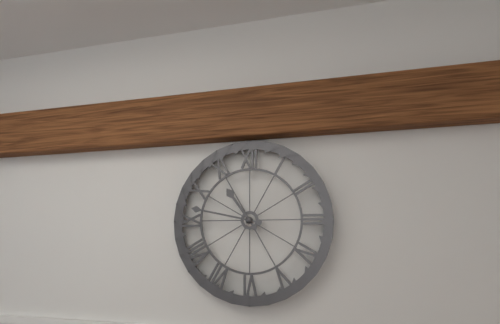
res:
10:47
